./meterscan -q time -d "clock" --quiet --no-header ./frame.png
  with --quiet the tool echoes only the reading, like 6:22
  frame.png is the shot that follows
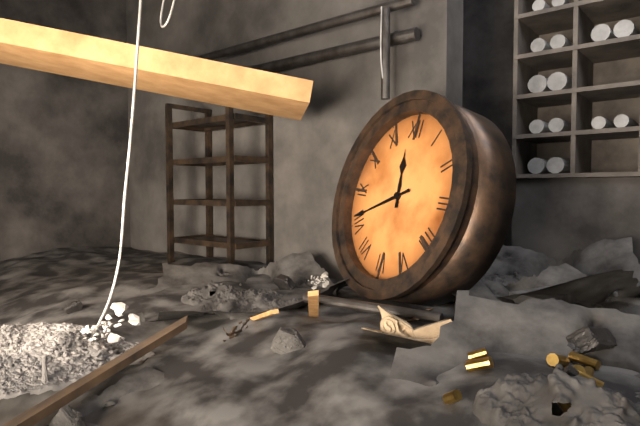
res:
11:41
